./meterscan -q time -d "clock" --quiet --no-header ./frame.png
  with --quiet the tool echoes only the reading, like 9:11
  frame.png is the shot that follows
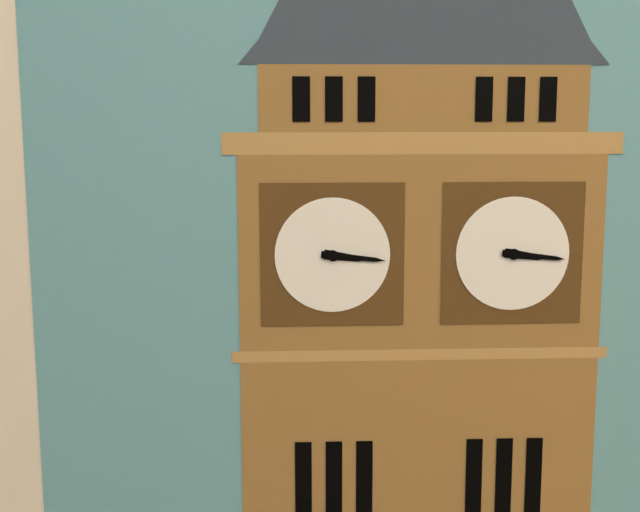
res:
3:16
